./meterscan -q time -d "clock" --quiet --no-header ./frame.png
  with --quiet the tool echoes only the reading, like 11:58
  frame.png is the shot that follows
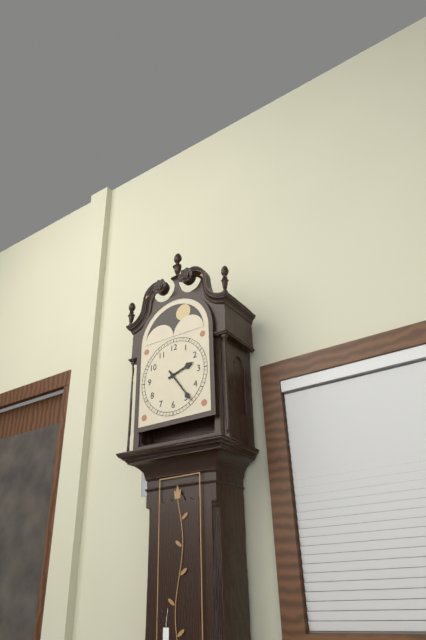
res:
2:24
